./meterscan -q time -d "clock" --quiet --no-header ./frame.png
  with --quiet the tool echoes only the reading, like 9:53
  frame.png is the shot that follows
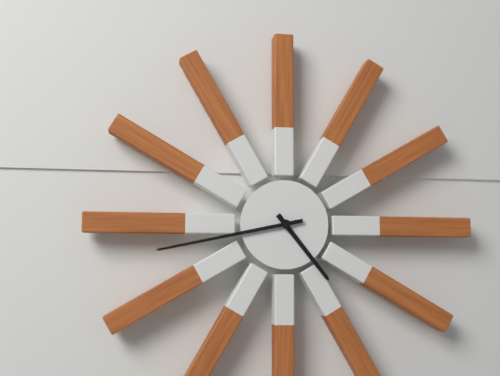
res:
4:43
